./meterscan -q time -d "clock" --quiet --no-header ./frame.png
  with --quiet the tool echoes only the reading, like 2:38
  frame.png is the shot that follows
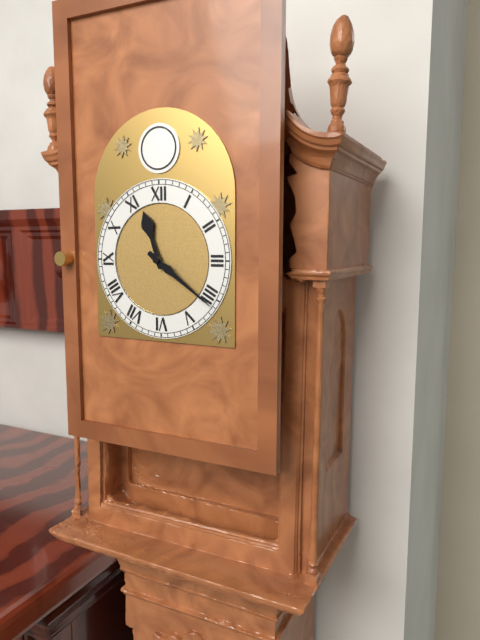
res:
11:21
